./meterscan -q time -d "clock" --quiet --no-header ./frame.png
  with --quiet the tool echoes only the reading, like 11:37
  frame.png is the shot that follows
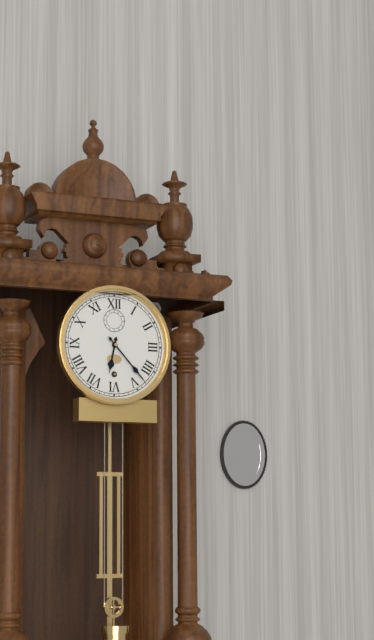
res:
6:23
